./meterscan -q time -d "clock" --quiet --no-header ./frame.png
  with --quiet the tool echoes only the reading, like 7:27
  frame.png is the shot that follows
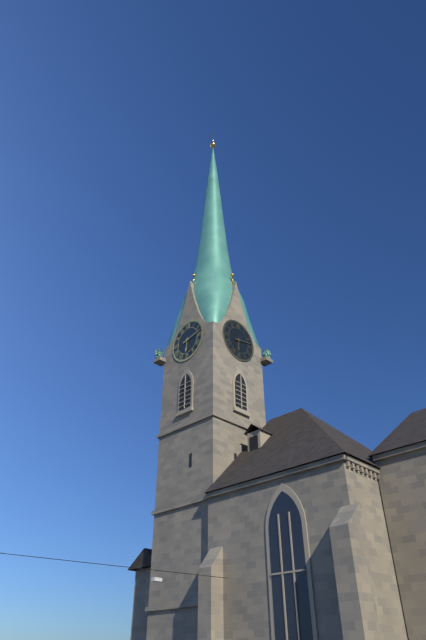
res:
6:13
